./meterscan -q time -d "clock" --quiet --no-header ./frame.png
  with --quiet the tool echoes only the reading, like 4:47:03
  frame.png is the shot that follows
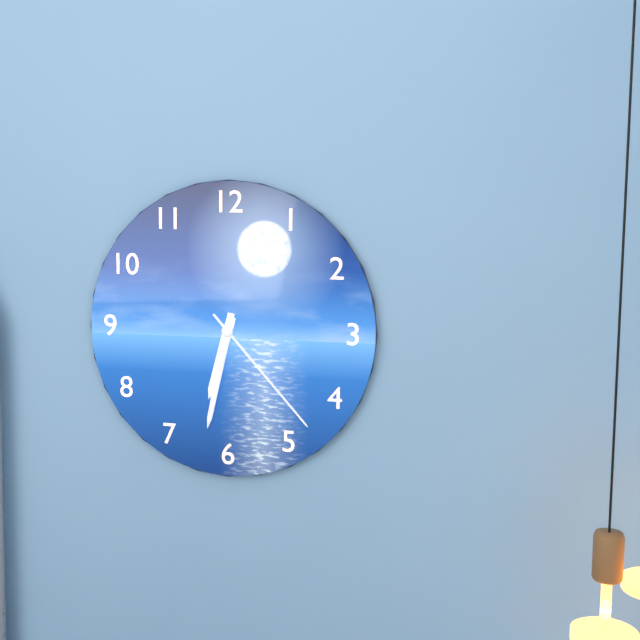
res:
6:32:23
